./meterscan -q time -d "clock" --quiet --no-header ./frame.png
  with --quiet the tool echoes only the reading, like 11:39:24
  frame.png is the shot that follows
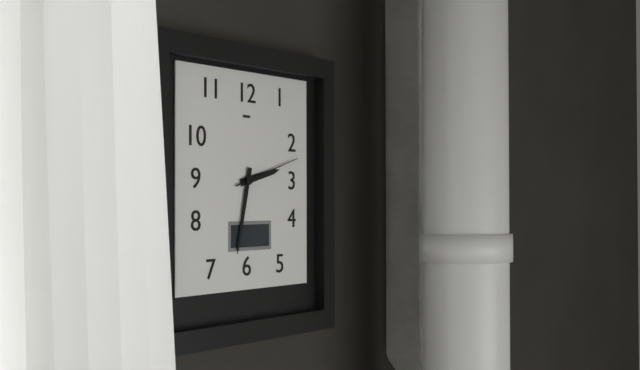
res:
2:32:12
